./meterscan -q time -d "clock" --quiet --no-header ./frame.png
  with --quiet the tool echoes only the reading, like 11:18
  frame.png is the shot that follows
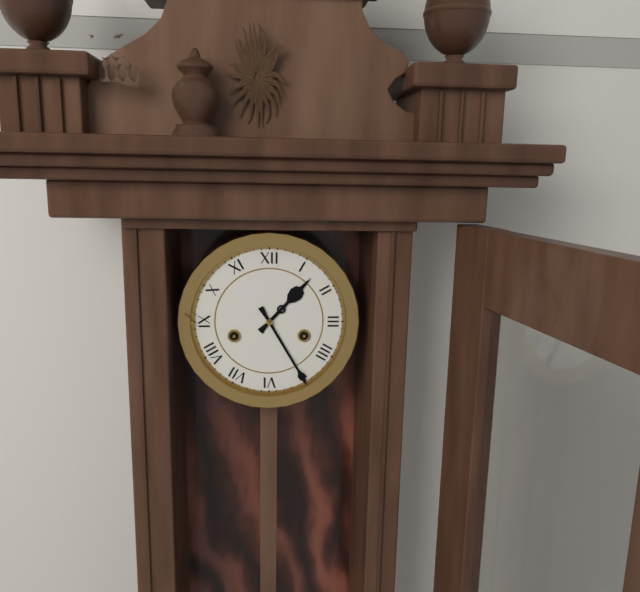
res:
1:25
